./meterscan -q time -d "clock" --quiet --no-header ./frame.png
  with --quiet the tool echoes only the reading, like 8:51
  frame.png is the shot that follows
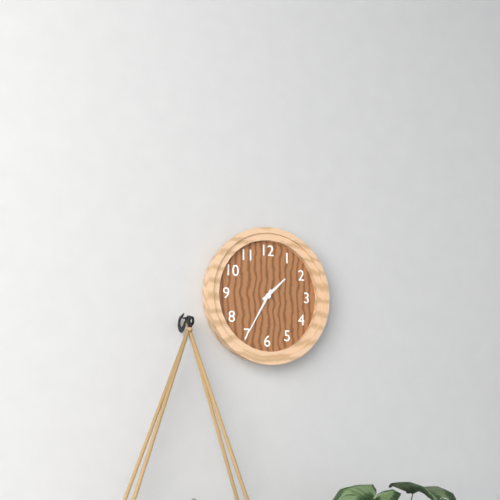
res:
1:35
